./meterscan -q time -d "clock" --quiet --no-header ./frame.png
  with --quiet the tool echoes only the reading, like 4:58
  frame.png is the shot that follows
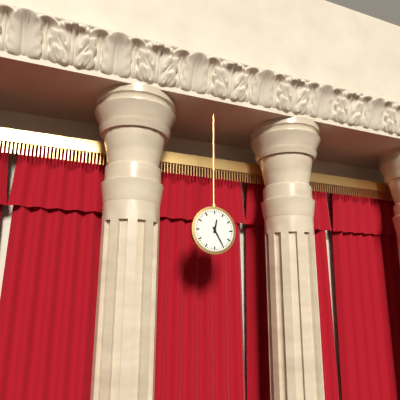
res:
12:25
